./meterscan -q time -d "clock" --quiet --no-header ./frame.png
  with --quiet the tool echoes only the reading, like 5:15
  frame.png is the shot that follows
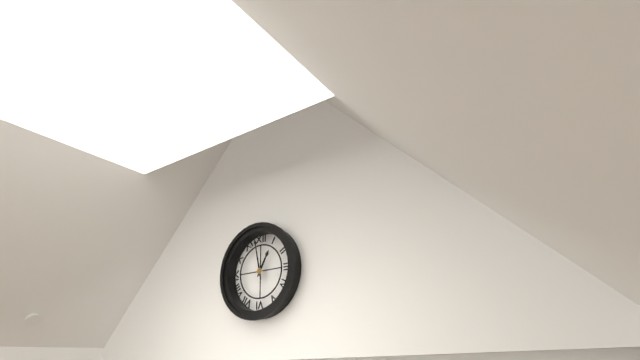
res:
12:58
